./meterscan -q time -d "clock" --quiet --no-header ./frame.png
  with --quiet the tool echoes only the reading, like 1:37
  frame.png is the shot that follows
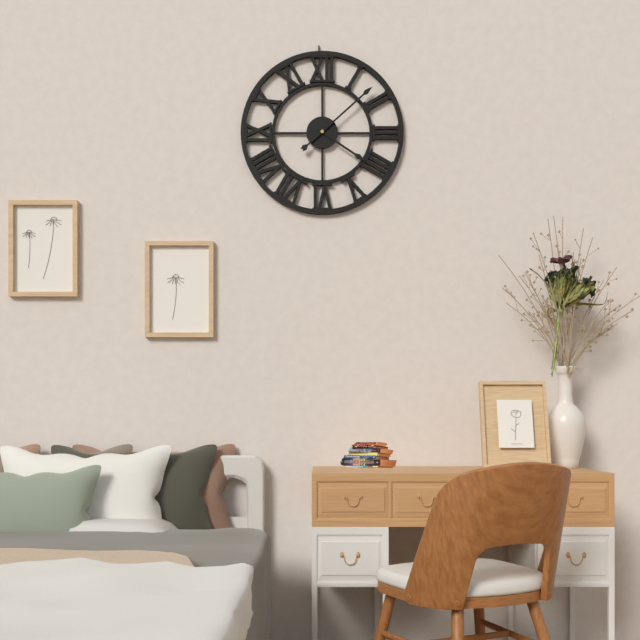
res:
4:08
